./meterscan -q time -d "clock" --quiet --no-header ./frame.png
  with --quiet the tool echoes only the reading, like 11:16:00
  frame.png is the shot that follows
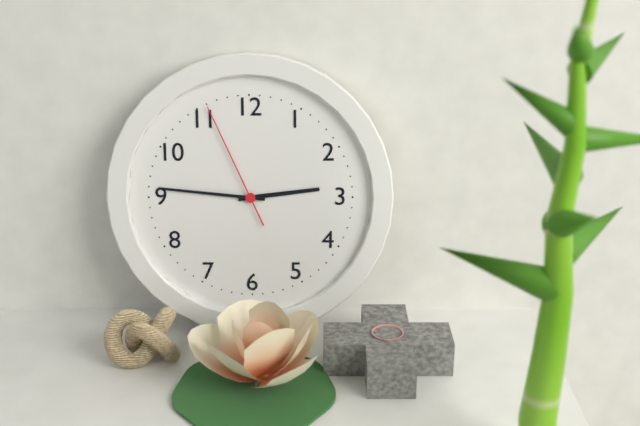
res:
2:46:56
